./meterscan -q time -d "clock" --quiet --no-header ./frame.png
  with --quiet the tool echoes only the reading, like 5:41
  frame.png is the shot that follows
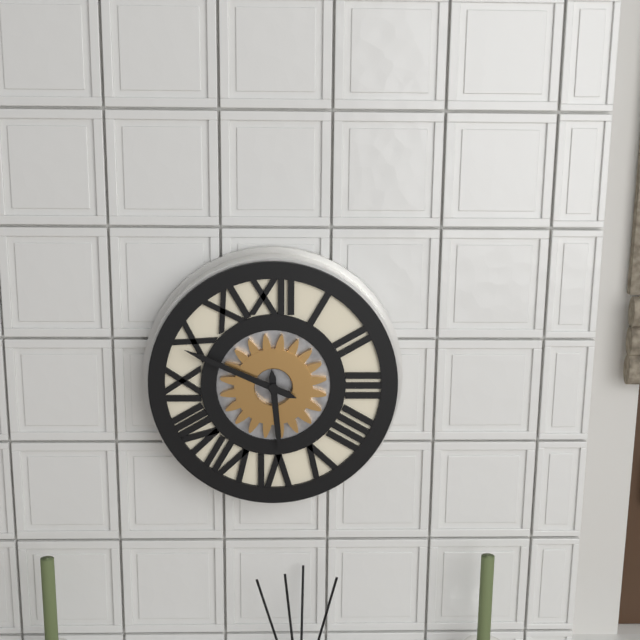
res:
5:49
